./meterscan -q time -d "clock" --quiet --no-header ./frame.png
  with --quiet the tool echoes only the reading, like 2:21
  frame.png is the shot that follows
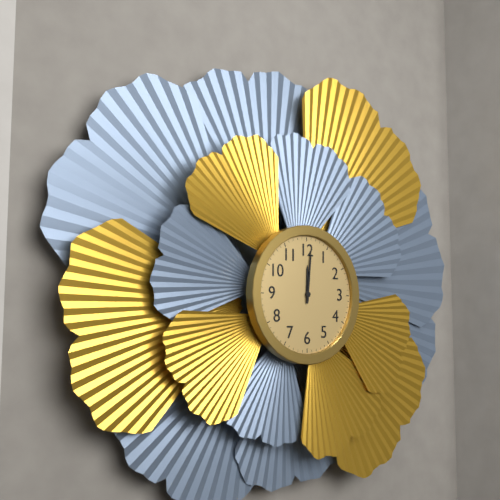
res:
12:01
